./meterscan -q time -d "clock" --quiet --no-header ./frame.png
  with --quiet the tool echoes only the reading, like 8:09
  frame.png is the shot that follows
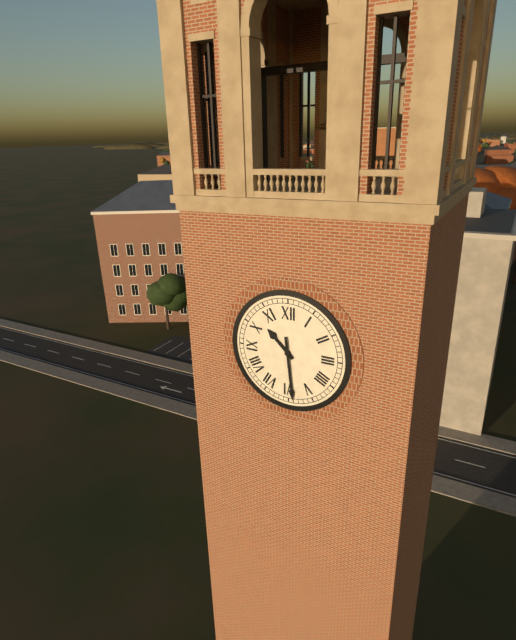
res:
10:29
